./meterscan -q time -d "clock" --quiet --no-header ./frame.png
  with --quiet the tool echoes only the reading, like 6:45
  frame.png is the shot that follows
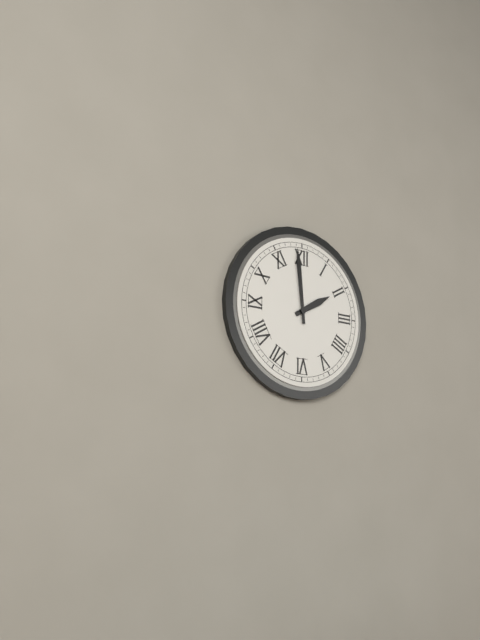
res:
1:59
